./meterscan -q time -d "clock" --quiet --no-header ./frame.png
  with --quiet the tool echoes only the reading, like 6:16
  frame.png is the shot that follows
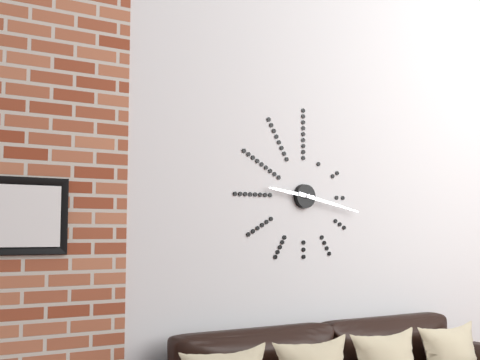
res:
9:17
